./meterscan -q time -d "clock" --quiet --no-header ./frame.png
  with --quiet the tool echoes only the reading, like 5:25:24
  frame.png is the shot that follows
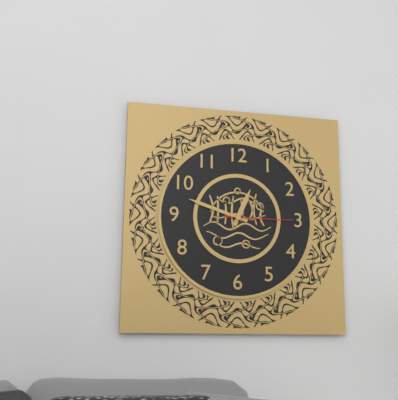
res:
12:48:15
